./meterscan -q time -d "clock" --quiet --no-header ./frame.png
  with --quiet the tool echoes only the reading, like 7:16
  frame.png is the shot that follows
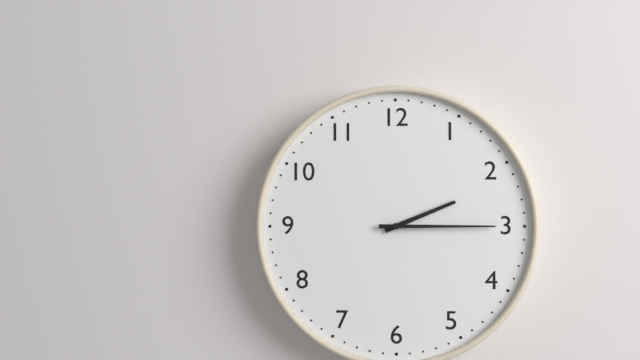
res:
2:15
